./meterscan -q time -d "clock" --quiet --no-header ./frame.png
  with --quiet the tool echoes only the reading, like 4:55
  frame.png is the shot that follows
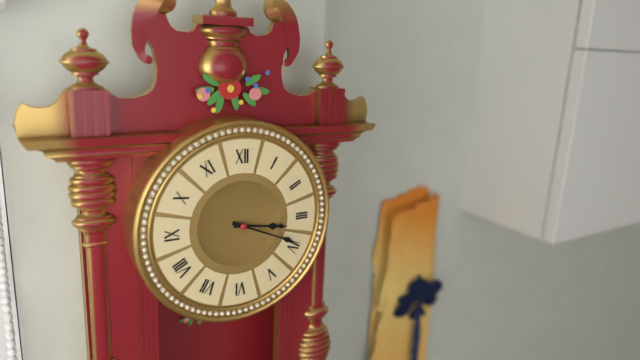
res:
3:19
